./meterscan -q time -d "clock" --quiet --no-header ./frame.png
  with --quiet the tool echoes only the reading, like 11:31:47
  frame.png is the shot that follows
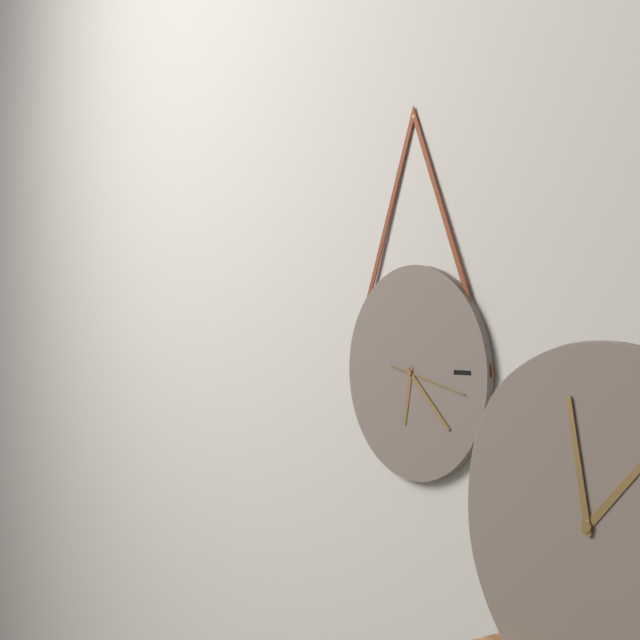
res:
6:22:17
